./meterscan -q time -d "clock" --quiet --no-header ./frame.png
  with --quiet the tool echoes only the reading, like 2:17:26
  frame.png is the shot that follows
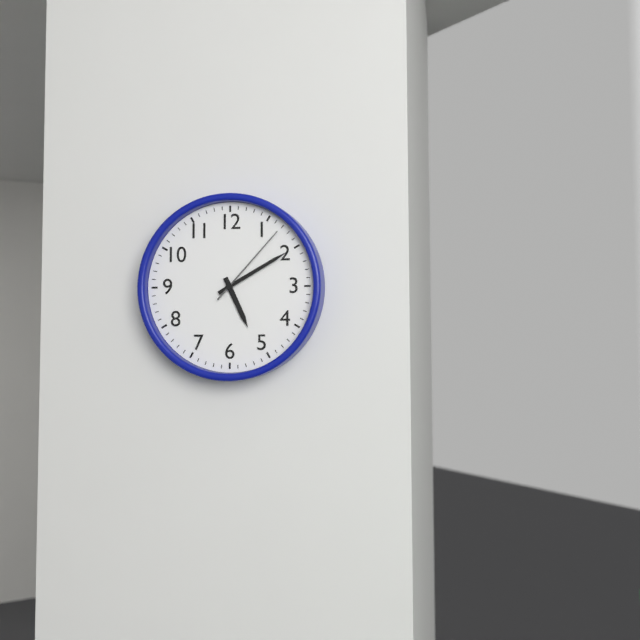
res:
5:10:07
